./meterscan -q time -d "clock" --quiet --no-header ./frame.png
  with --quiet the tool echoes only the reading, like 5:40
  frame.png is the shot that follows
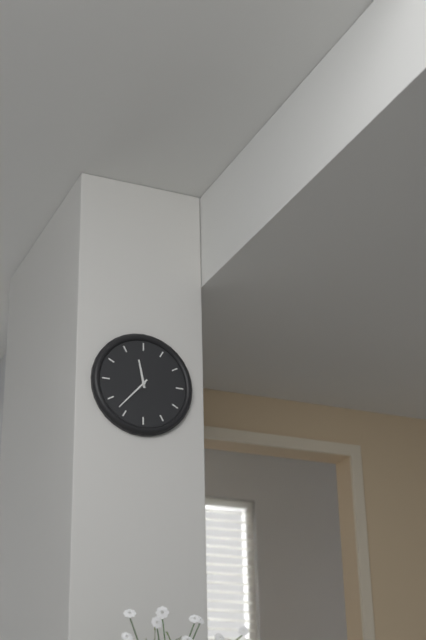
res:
11:37
